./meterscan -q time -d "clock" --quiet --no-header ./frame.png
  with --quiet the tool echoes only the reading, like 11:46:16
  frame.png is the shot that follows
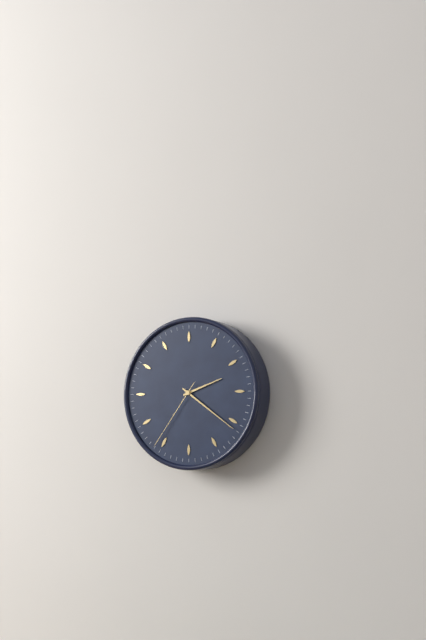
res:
2:21:36
